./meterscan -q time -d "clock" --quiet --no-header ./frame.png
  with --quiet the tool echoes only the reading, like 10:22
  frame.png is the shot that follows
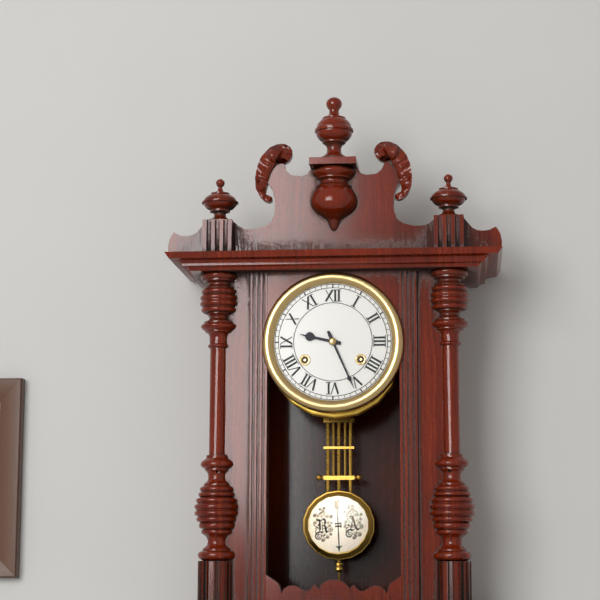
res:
9:26
